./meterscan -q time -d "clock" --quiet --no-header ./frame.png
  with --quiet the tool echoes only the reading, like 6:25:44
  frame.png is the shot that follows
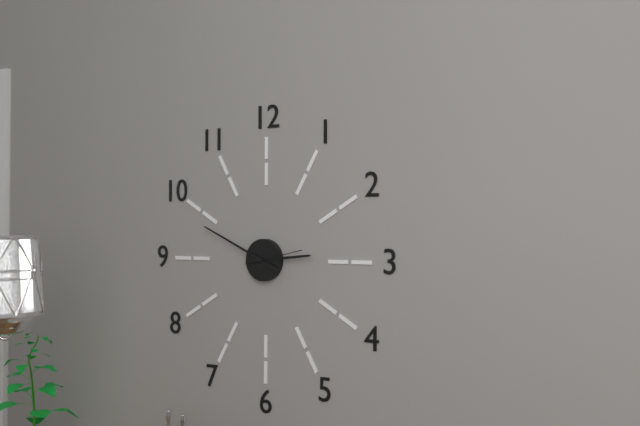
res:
2:49:13
